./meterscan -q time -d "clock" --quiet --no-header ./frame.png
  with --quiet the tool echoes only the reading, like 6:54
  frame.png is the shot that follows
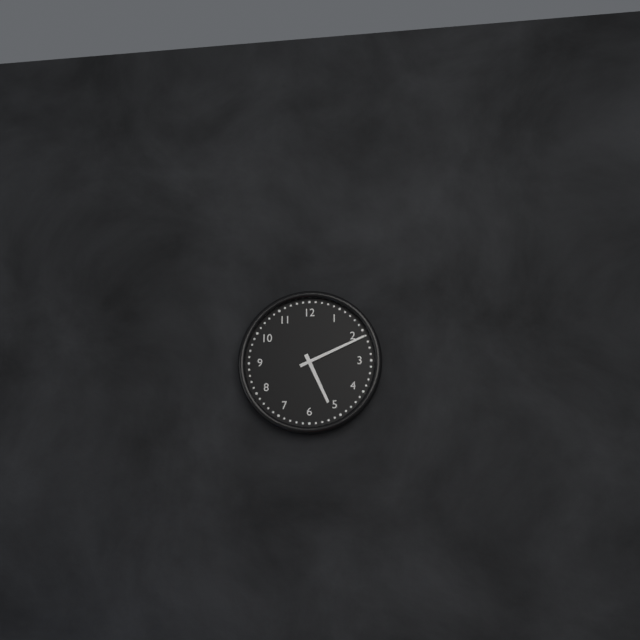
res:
5:11
